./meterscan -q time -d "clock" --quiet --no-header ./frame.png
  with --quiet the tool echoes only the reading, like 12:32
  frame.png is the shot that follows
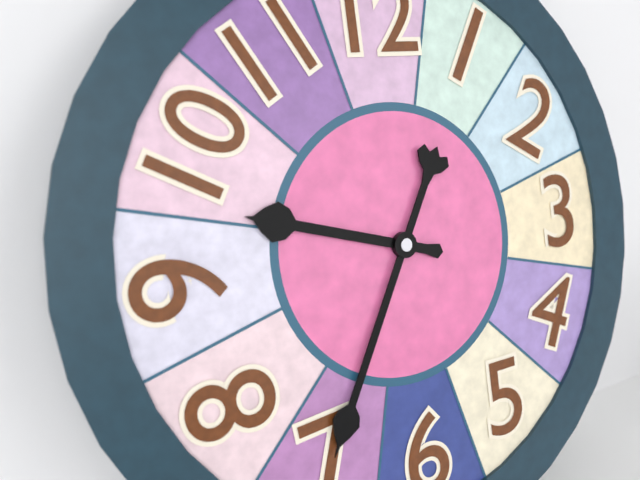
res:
9:35
